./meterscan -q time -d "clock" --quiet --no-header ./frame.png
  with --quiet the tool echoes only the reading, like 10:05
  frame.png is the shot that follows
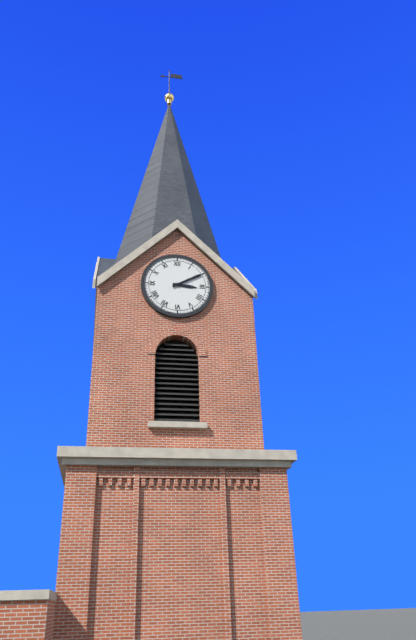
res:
3:10
